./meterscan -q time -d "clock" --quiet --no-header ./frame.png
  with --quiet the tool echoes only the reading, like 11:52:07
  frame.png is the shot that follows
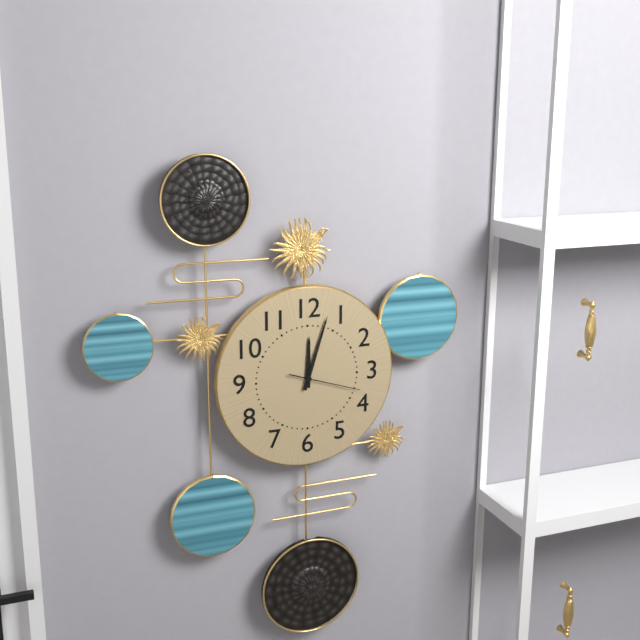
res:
12:03:18
